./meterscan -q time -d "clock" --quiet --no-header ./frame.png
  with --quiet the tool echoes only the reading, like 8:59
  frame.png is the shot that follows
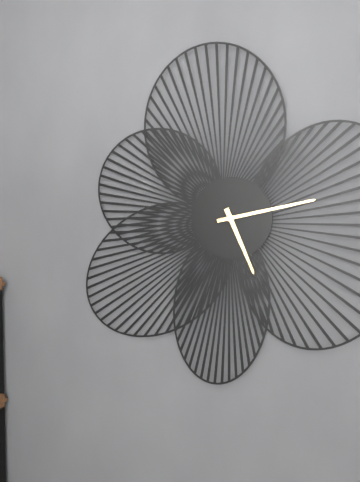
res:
5:13
